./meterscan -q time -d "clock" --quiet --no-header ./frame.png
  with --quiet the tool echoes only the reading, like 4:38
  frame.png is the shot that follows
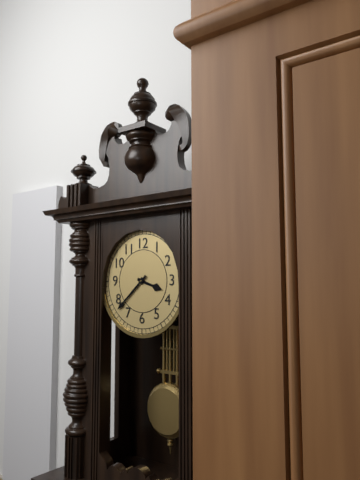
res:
3:38
